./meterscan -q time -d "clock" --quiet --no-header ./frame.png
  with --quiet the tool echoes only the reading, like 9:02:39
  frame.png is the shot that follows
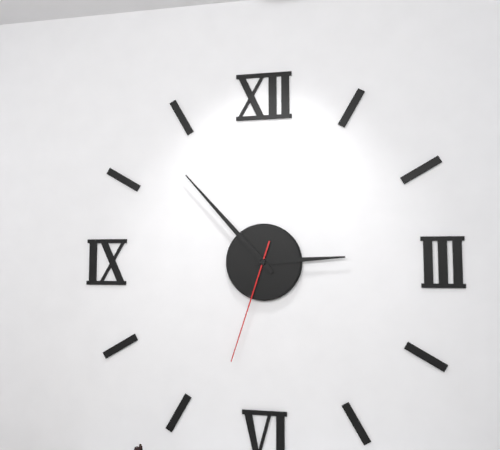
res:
2:53:33
